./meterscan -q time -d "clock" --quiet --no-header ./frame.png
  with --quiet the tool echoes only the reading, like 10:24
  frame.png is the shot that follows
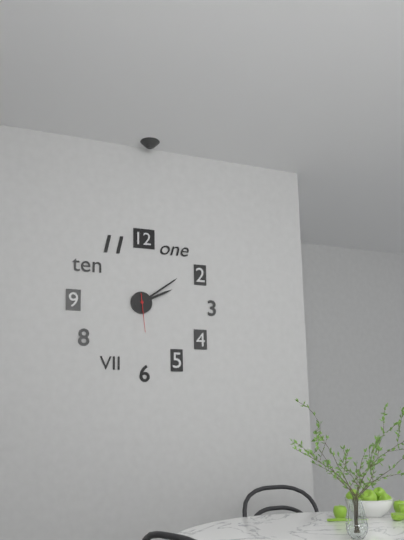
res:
2:09
